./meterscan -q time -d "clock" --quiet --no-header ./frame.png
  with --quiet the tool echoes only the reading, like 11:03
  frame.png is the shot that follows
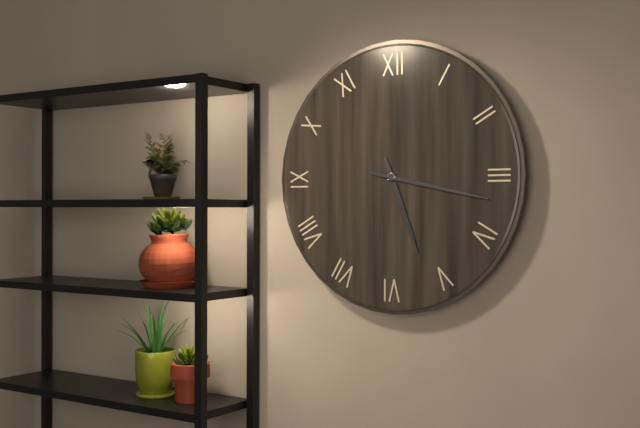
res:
5:17
